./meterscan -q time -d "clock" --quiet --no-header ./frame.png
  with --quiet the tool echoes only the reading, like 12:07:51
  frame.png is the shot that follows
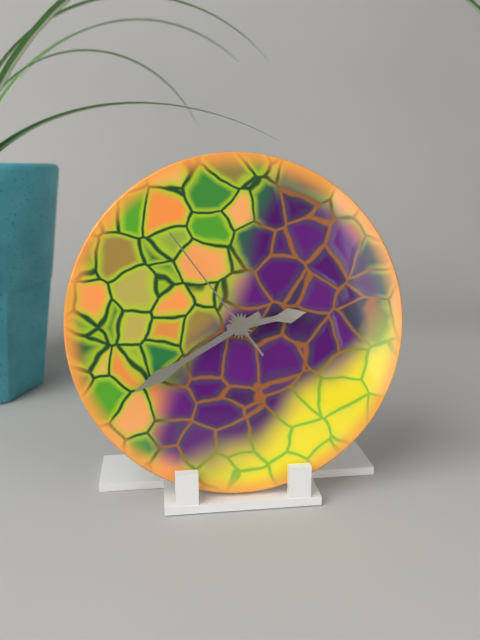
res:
2:40:54
